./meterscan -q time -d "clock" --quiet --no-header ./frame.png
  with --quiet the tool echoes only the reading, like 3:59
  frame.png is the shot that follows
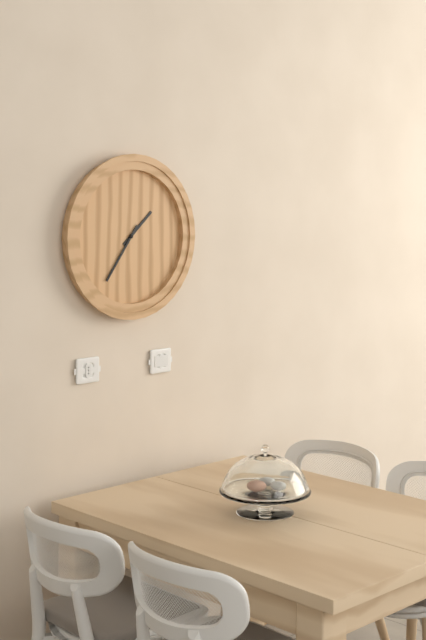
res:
1:36
